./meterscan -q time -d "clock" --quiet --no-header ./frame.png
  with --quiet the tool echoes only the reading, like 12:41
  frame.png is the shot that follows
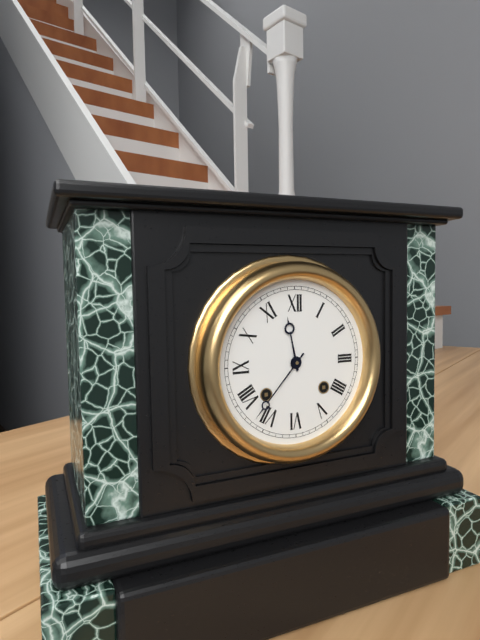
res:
11:37
